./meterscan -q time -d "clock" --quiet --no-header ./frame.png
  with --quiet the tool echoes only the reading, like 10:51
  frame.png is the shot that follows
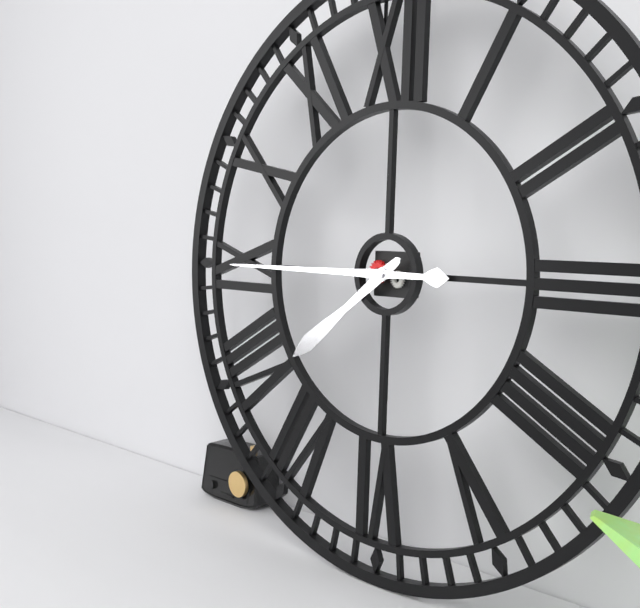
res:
7:45
